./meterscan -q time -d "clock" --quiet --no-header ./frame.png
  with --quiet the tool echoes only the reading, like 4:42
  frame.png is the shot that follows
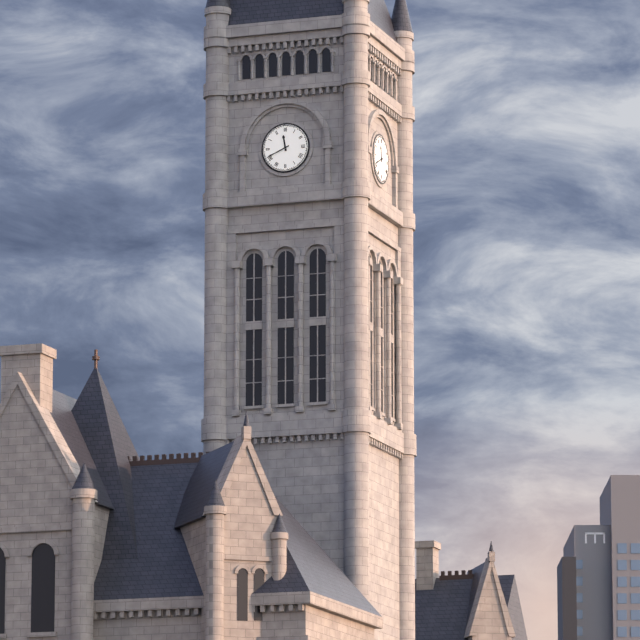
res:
11:41
